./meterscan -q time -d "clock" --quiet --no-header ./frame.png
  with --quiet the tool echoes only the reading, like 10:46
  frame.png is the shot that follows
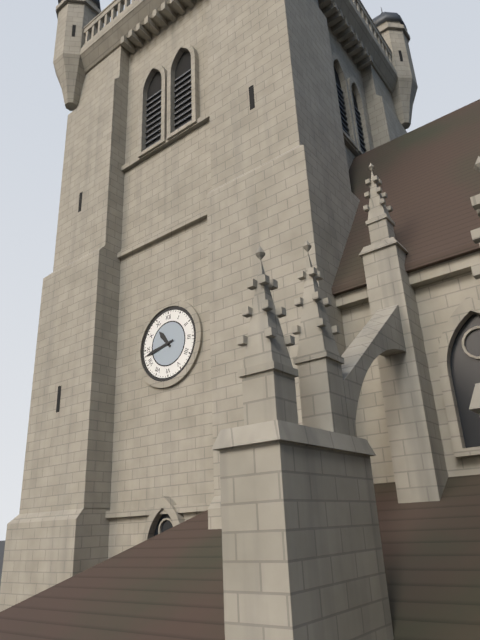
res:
10:43
